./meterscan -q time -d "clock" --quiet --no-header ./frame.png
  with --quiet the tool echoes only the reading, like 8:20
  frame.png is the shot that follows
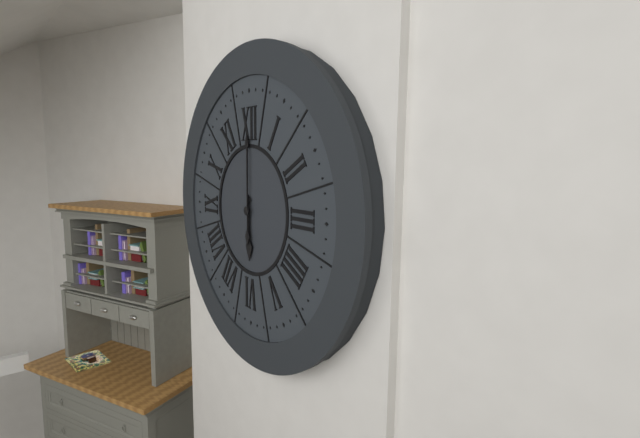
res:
6:00
